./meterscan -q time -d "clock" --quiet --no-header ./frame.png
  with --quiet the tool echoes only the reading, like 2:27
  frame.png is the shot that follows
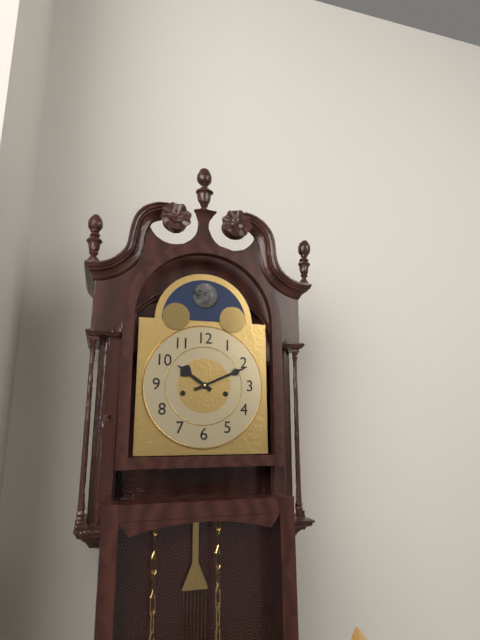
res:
10:11
